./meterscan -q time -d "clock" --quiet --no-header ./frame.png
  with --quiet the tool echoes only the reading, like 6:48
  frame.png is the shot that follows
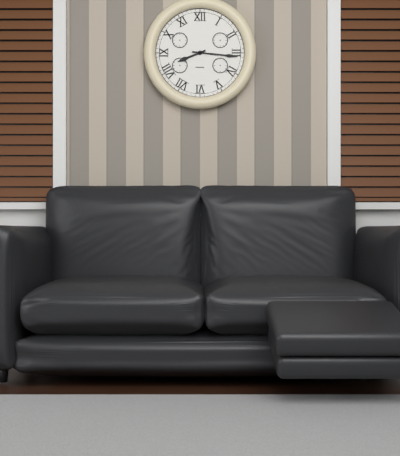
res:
8:16
